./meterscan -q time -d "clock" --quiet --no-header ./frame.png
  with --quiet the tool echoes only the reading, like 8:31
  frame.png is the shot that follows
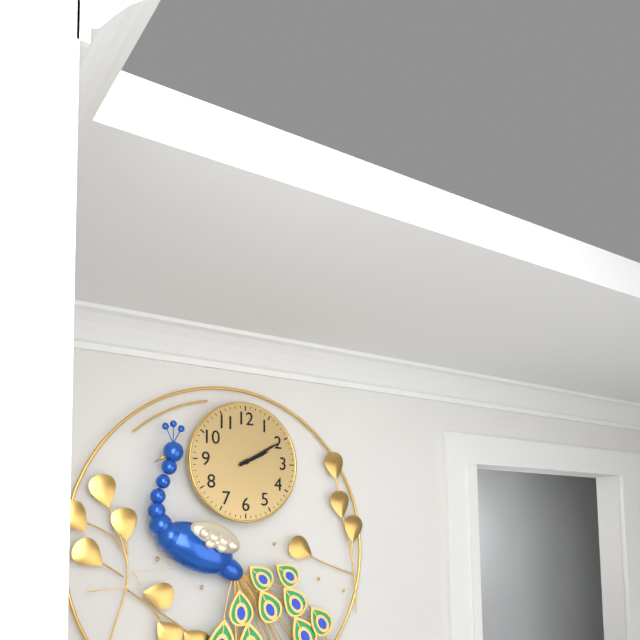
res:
2:10
